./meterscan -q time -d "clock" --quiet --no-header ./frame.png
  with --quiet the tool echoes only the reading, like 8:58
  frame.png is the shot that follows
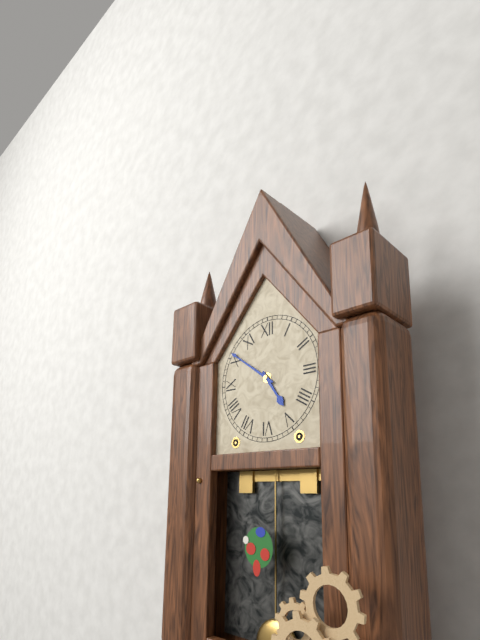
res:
4:51
